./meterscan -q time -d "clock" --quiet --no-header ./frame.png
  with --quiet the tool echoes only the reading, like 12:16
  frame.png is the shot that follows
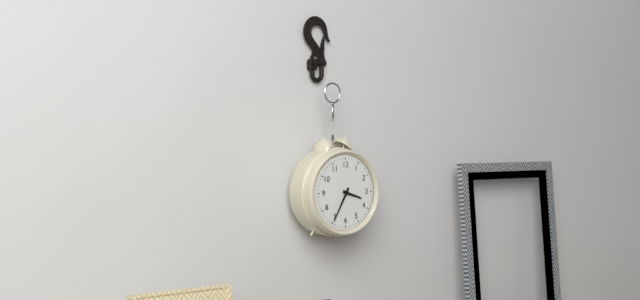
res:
3:35
